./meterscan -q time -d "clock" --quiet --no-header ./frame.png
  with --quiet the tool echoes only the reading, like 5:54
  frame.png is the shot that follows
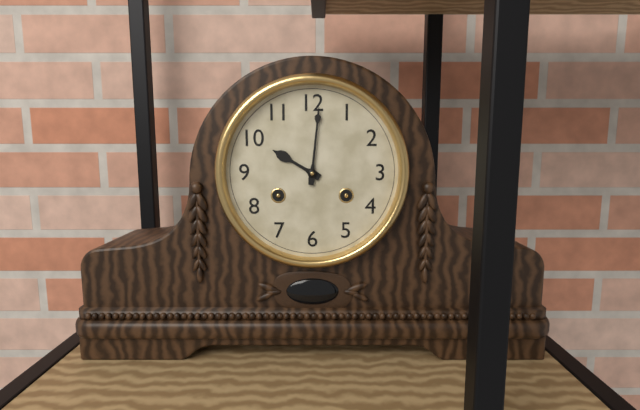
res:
10:01
